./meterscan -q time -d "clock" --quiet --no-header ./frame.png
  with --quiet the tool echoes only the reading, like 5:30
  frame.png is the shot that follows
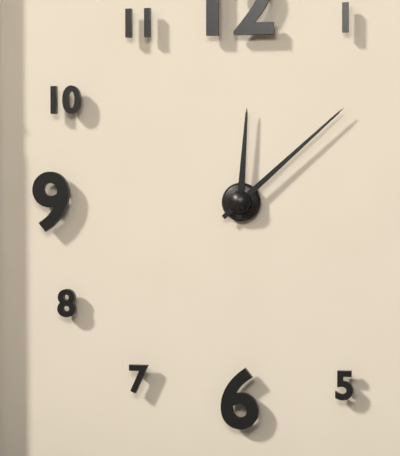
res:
12:08
